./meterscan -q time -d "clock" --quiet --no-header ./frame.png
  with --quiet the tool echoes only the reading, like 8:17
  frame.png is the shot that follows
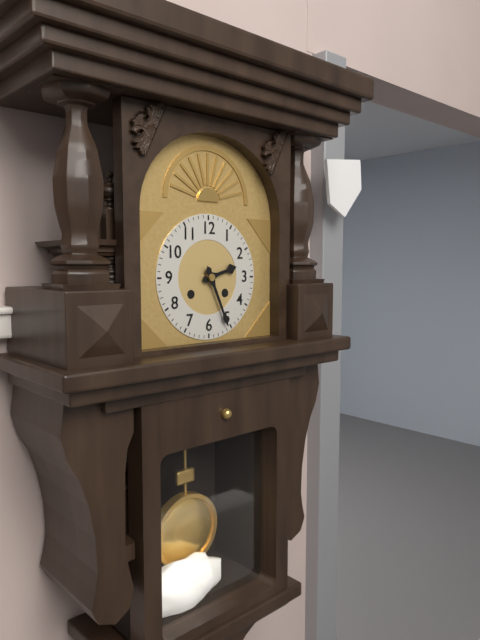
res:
2:26
